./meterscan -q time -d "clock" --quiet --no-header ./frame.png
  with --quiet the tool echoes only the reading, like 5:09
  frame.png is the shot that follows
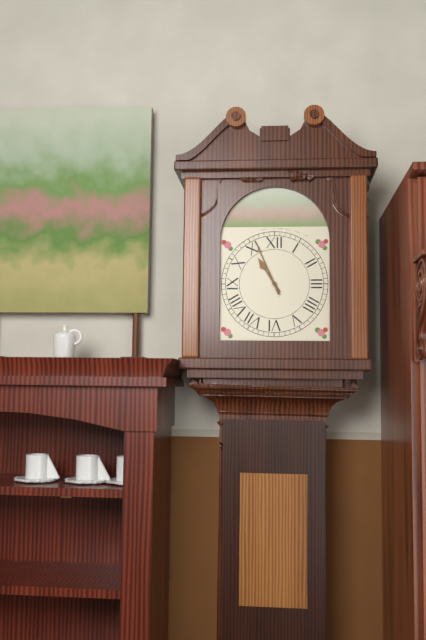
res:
10:56
